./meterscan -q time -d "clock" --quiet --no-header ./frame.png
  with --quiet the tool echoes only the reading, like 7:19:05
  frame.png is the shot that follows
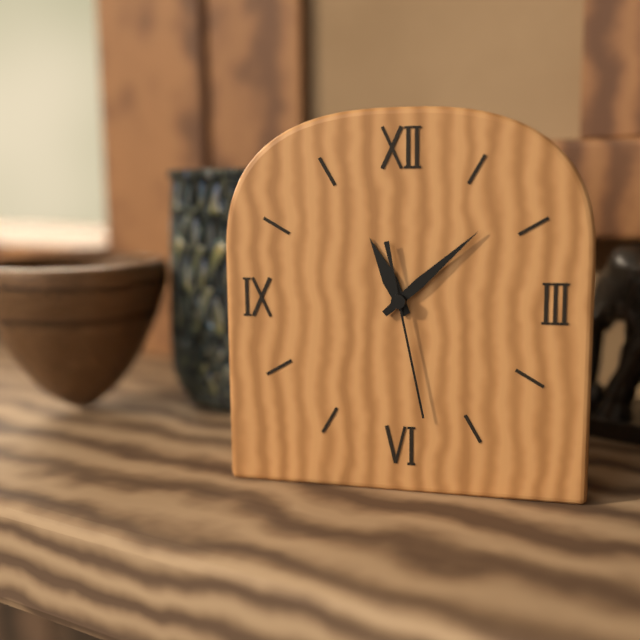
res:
11:08:28
